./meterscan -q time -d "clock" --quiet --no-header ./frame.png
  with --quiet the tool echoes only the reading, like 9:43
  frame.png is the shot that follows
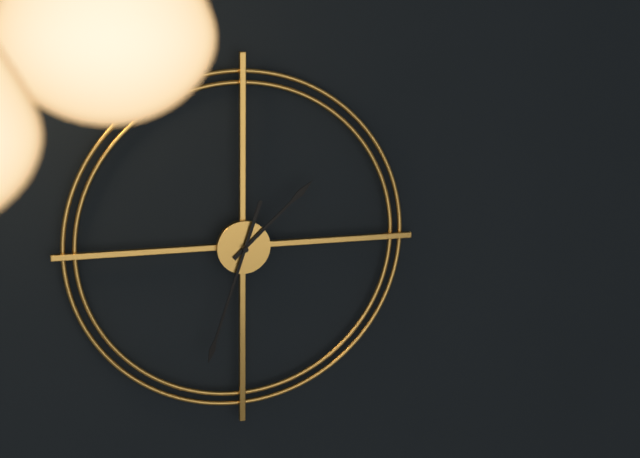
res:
1:33
